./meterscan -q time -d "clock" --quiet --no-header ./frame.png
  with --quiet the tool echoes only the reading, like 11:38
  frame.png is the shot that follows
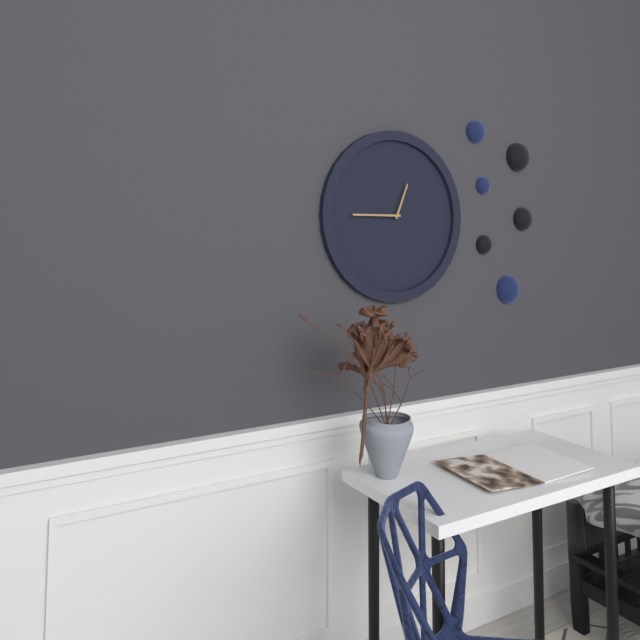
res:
12:45
